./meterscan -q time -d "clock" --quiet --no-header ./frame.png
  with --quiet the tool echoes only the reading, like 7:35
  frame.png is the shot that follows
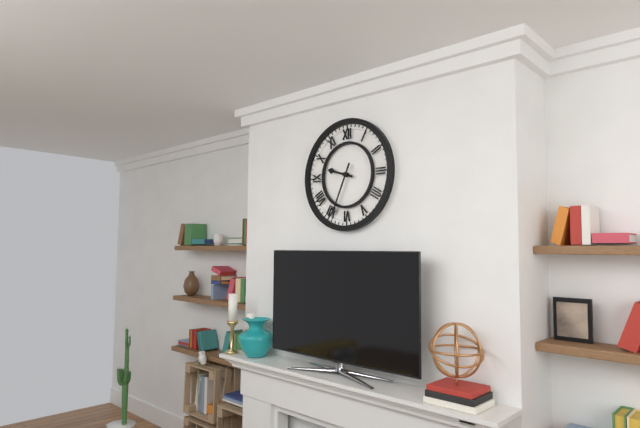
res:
9:34
